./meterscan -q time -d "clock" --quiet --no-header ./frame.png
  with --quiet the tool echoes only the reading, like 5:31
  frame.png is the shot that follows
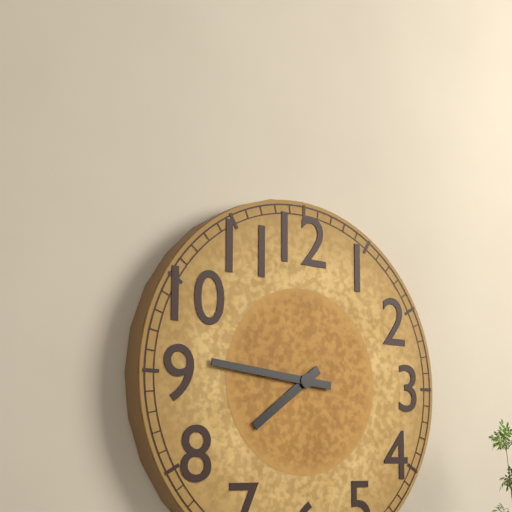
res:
7:46
